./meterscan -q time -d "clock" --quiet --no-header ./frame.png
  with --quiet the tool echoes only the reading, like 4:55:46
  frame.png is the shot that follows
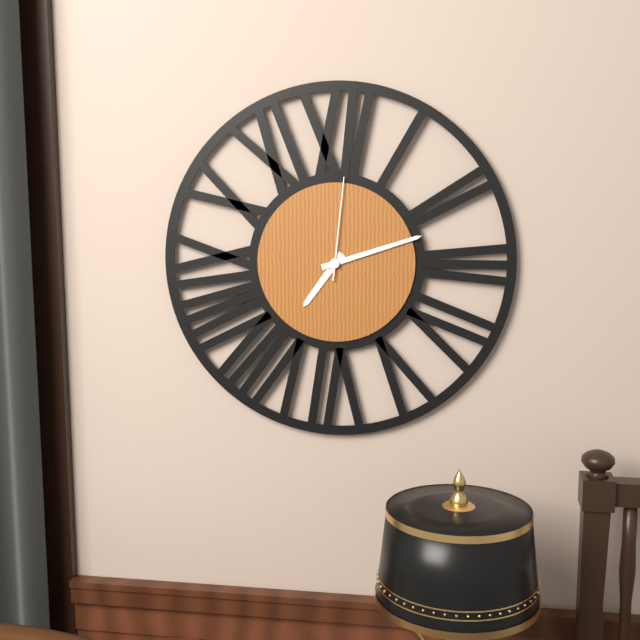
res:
7:12:01
